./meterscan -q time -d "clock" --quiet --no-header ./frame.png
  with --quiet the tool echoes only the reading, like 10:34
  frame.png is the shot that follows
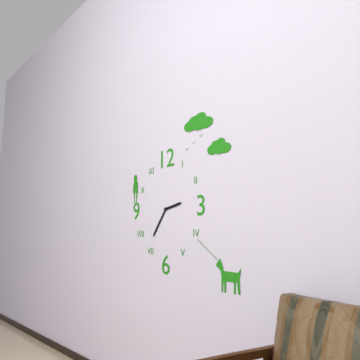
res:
2:36
